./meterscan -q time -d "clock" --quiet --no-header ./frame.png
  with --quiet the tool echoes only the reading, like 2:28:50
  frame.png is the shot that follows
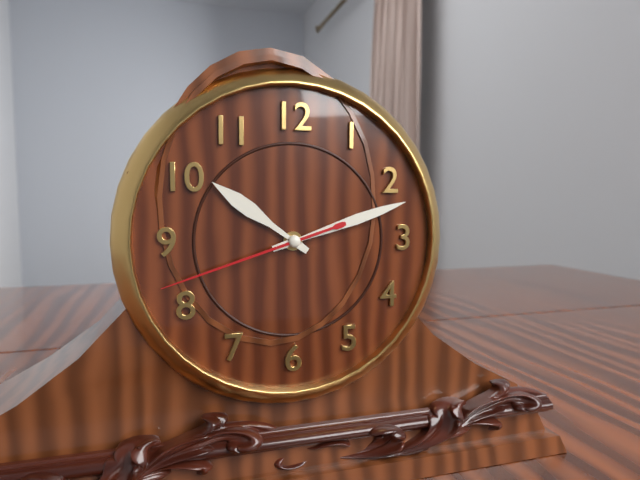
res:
10:12:42
